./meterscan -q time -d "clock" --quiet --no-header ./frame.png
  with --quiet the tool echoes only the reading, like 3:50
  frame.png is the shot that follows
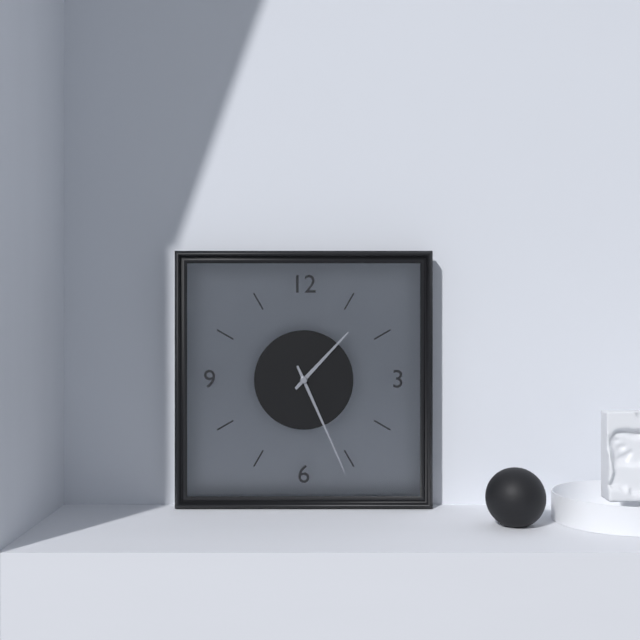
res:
1:26
